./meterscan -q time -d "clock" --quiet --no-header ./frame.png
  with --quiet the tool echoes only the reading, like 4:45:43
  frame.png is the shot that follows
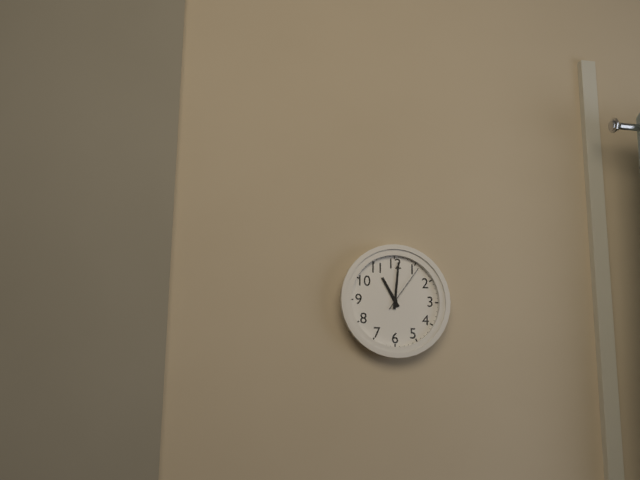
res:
11:01:06
